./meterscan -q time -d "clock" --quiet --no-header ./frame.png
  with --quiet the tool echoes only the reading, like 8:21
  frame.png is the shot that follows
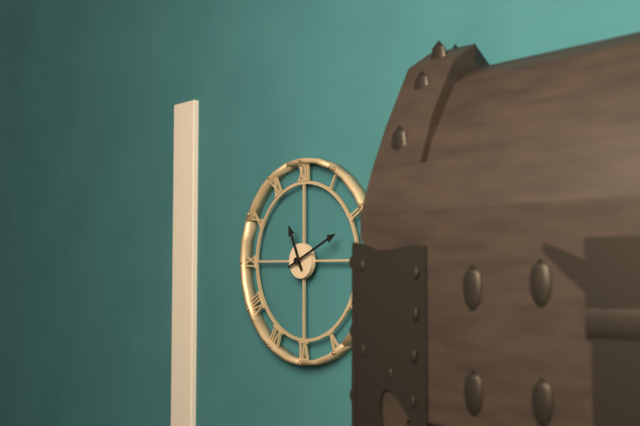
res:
11:11
